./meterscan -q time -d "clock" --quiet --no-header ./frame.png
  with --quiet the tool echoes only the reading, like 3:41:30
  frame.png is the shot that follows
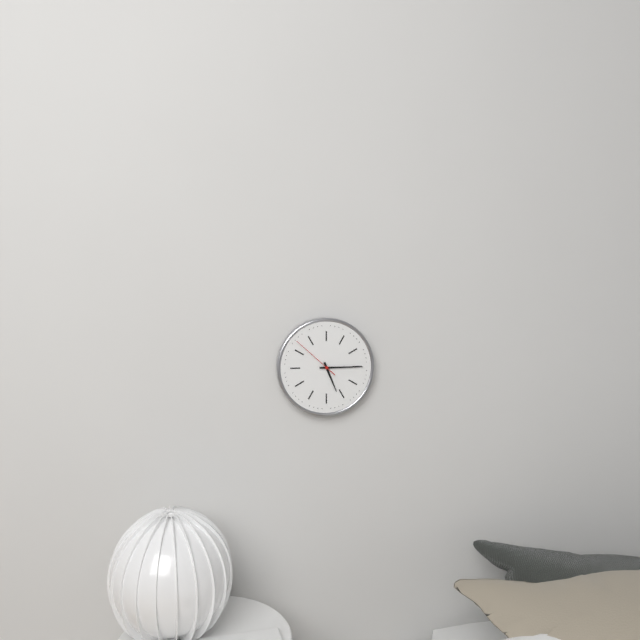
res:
5:15:52
